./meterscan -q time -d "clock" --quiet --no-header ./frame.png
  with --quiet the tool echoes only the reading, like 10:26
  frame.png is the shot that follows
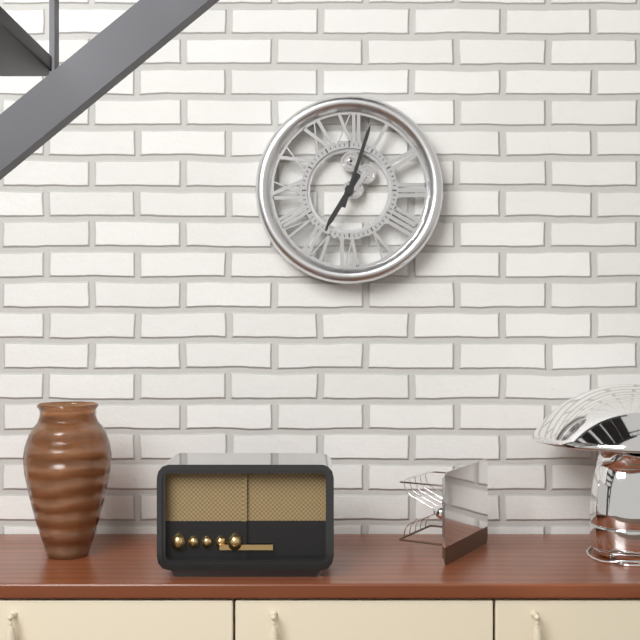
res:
7:03
